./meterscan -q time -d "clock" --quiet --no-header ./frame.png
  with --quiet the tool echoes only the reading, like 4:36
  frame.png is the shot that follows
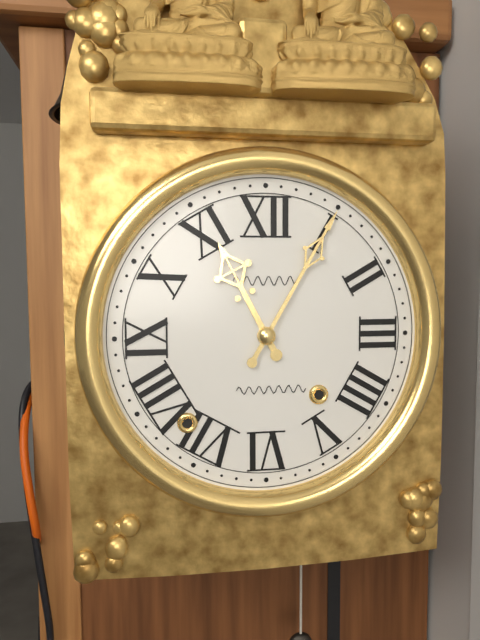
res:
11:05
